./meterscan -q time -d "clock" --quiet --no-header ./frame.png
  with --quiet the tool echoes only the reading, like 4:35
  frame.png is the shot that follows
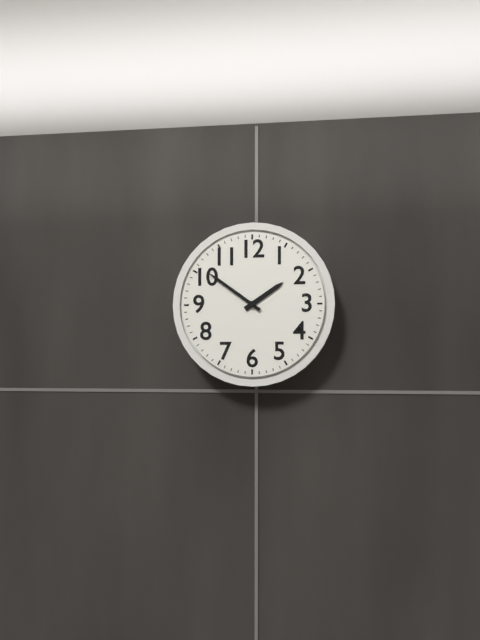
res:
1:51
